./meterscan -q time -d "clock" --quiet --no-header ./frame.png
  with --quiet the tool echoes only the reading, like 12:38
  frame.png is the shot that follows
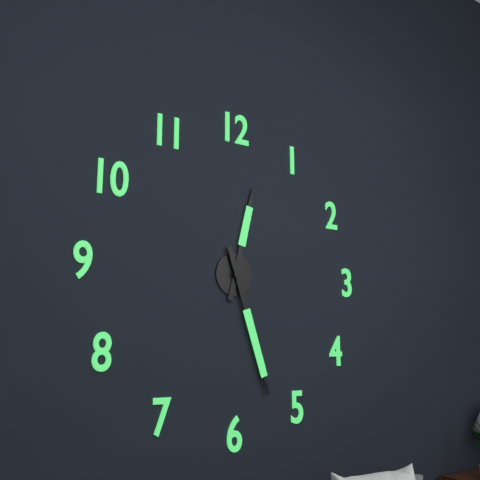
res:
12:27
